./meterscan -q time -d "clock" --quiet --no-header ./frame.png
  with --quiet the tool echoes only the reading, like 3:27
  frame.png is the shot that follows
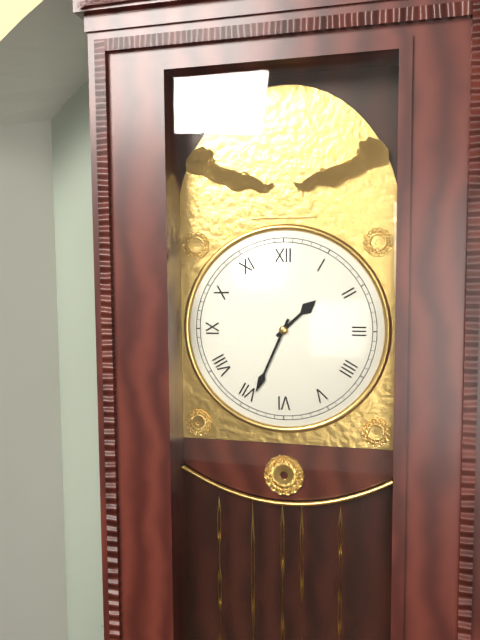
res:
1:34
